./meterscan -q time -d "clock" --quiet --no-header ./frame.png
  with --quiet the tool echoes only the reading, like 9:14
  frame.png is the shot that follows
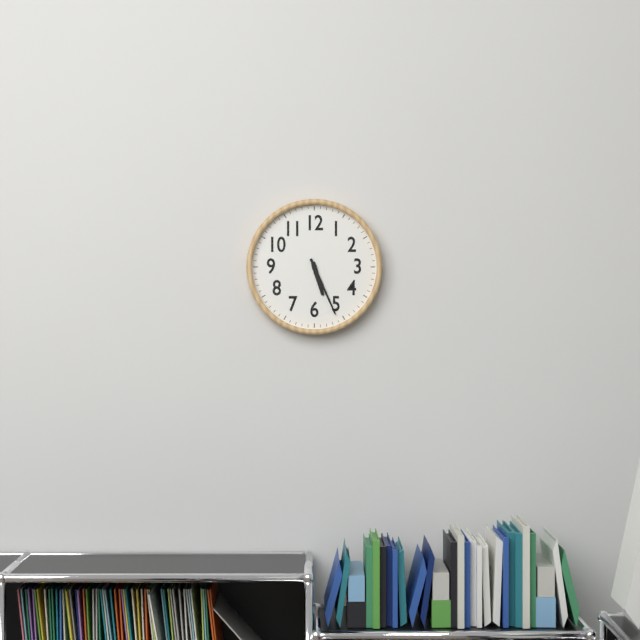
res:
5:26
